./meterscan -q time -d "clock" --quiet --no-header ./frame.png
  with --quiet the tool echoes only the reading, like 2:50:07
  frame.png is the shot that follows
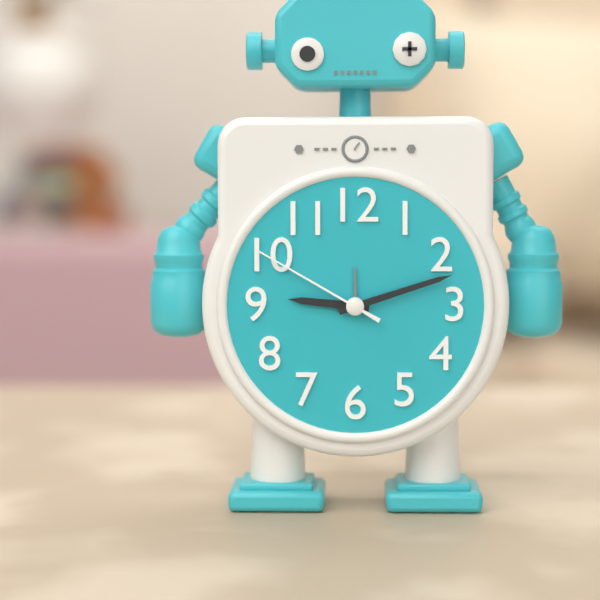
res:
9:12:50
